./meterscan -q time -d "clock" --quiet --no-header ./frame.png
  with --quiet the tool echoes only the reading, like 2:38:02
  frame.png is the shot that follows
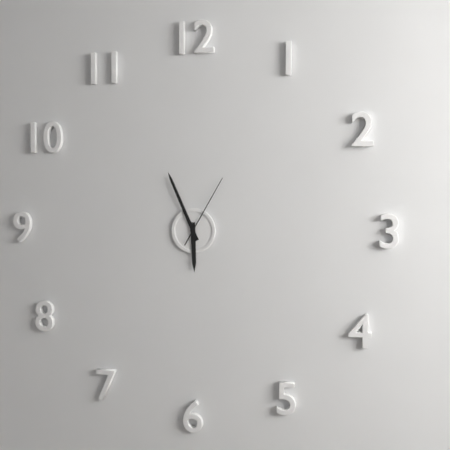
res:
5:56:05
